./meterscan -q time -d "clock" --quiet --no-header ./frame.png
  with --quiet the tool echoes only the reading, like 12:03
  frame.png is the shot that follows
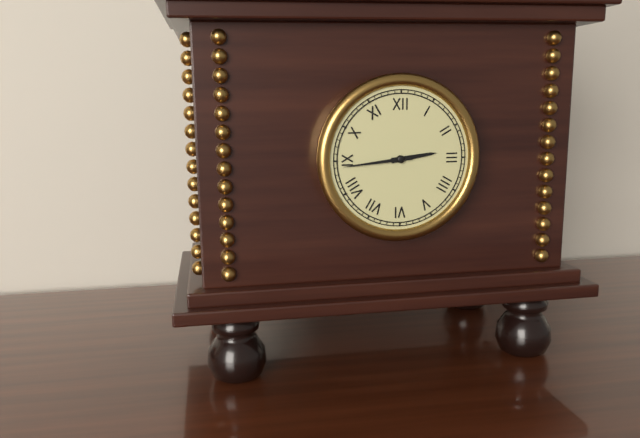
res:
2:44
